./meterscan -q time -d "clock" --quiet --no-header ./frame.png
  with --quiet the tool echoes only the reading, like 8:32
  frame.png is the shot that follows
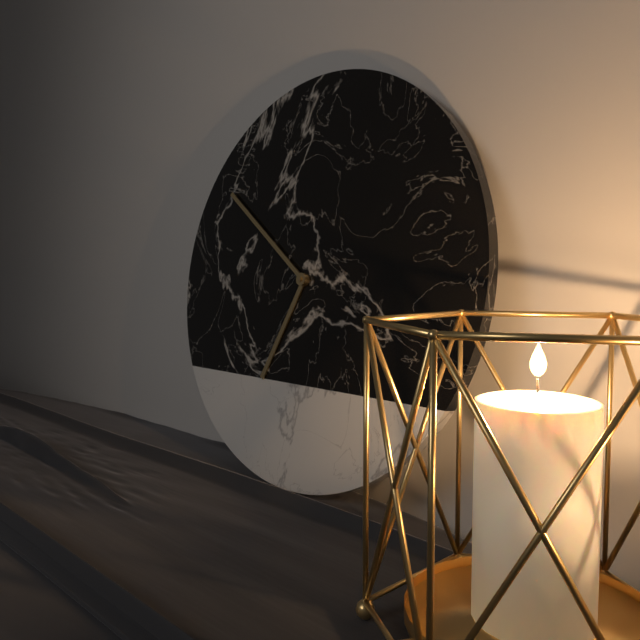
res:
6:51
